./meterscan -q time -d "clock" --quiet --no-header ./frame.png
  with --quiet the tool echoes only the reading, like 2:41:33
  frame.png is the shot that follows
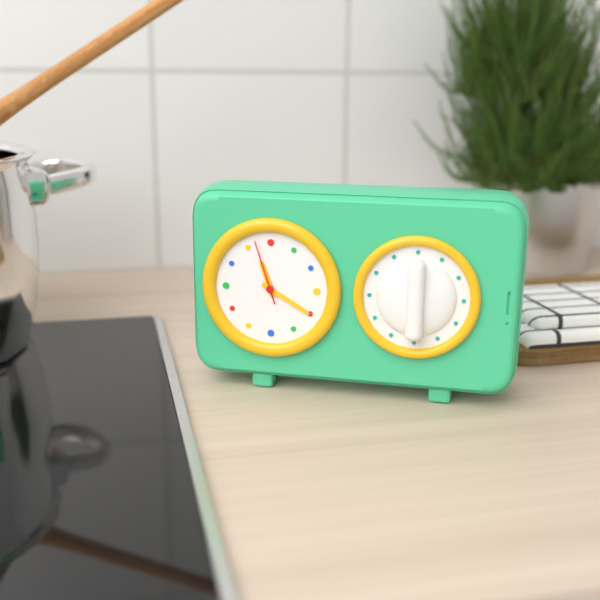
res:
11:20:57
